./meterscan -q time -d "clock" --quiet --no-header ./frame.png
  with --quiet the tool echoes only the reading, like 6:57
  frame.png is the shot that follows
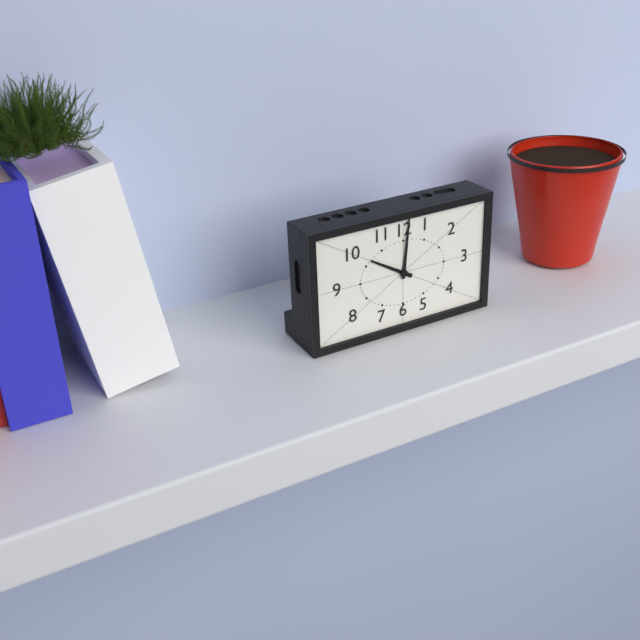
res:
10:01
